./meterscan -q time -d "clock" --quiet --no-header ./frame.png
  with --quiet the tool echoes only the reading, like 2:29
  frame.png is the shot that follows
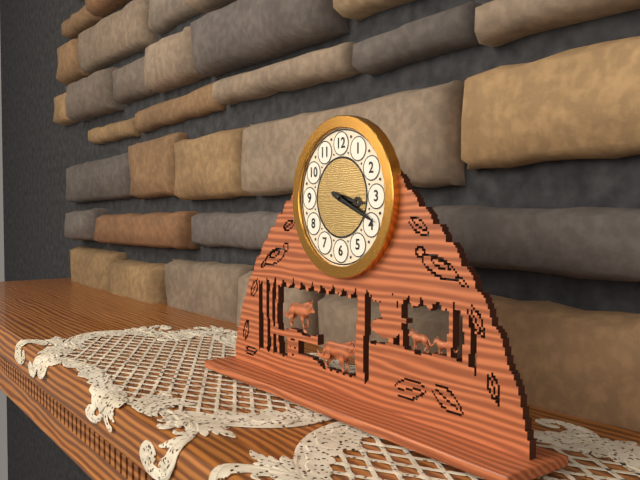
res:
3:19
